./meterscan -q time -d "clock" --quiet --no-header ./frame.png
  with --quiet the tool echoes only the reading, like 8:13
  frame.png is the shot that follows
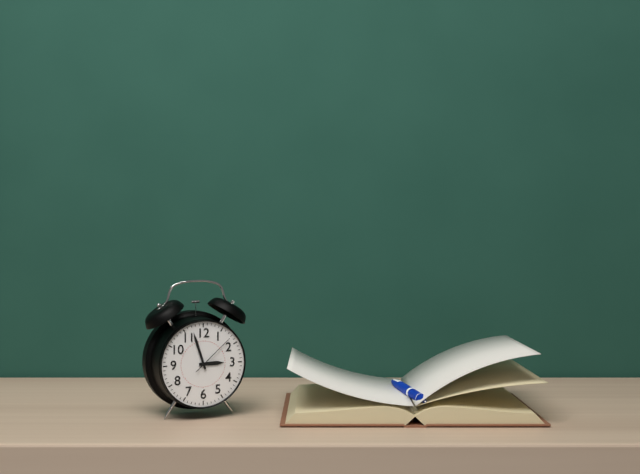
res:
2:57
